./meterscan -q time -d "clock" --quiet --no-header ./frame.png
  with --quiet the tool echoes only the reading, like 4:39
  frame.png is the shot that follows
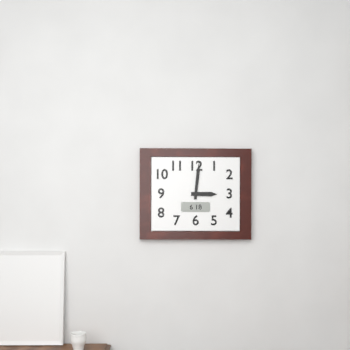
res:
3:01
